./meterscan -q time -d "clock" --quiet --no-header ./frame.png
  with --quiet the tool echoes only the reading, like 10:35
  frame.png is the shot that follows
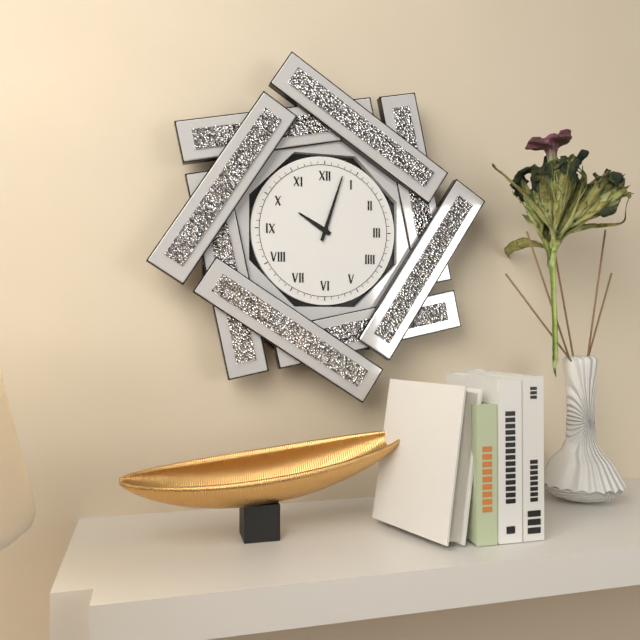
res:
10:03
